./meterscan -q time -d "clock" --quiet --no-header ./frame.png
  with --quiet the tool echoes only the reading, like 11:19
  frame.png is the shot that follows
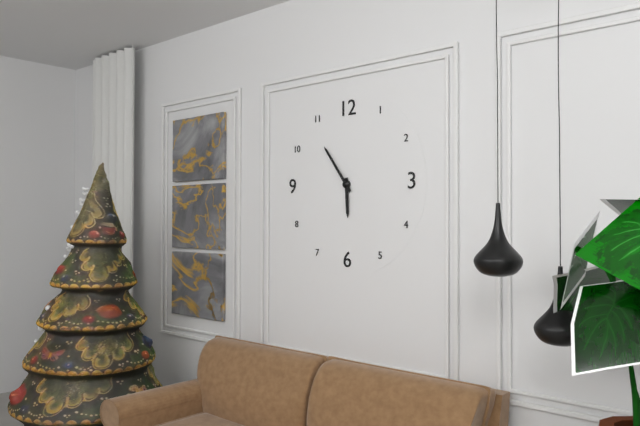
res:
5:54
